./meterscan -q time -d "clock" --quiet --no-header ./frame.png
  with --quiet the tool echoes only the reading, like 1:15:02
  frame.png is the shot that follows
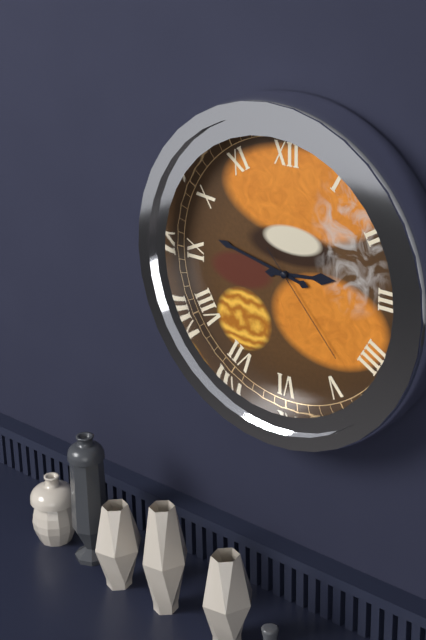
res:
2:47:23
